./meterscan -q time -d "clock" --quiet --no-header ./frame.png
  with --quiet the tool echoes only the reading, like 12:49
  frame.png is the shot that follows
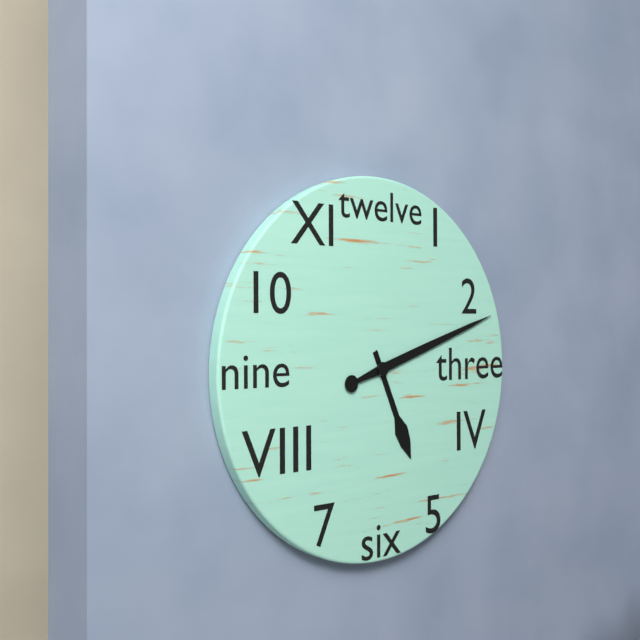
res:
5:12
